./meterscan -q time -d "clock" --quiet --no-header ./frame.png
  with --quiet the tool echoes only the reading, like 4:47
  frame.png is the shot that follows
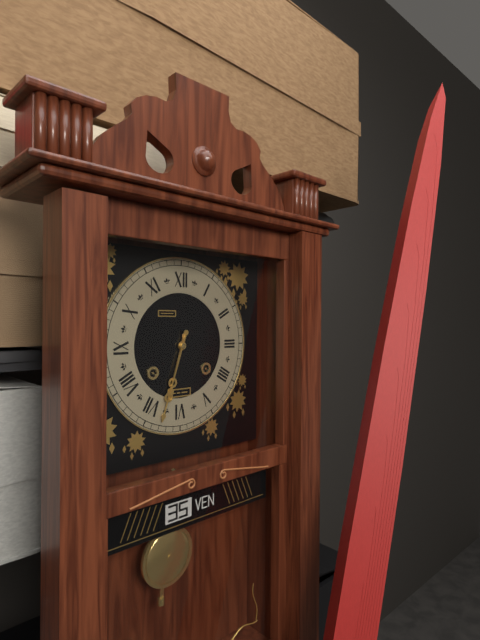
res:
6:33
